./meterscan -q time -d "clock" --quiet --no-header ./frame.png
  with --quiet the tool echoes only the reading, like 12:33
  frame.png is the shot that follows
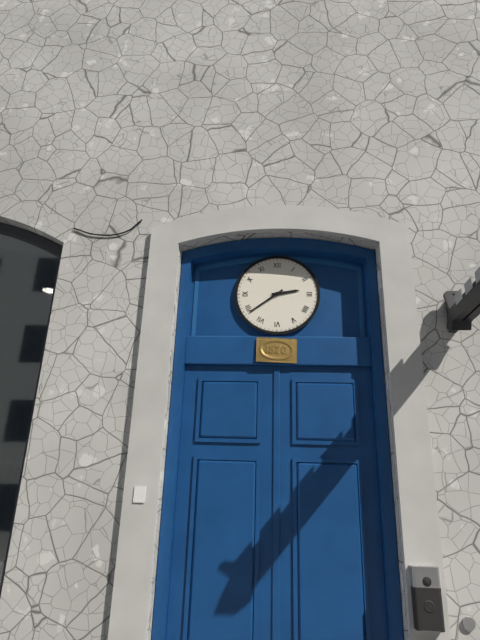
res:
2:39
